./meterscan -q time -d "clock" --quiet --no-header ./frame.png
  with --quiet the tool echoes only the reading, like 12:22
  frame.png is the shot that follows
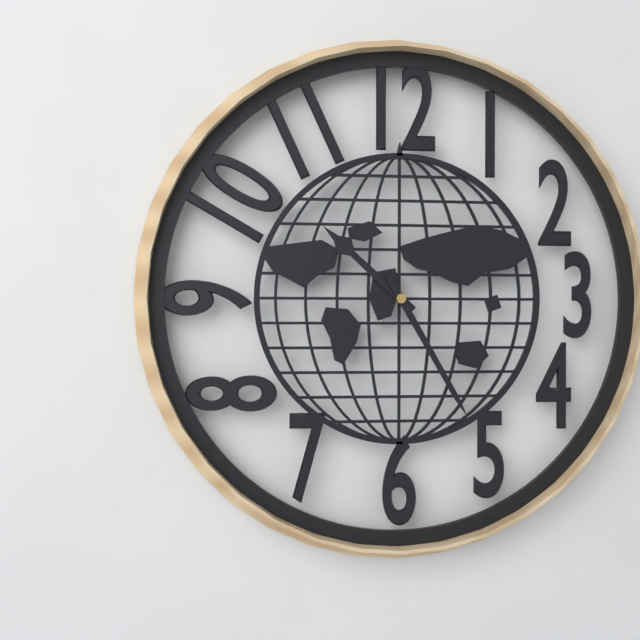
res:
10:25
